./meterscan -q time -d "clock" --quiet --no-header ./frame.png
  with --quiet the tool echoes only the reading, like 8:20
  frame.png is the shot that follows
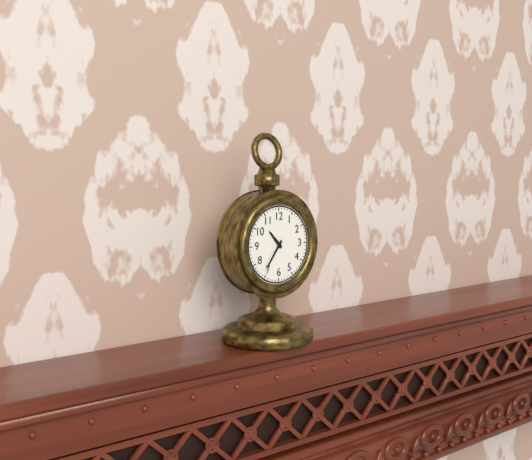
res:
10:36
